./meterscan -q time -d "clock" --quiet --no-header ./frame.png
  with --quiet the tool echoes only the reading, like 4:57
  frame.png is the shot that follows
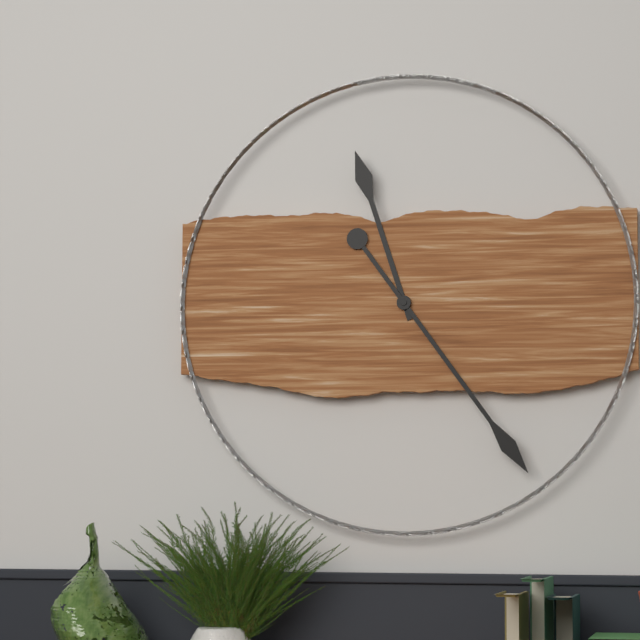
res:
11:24
